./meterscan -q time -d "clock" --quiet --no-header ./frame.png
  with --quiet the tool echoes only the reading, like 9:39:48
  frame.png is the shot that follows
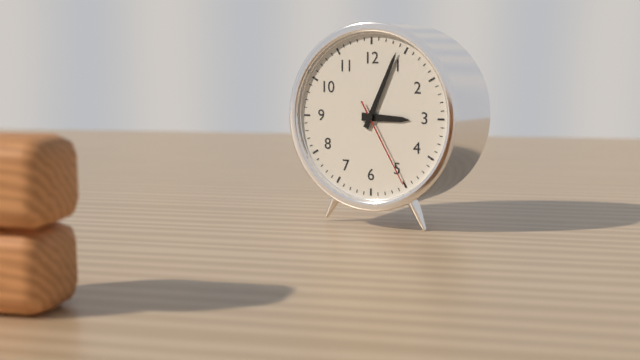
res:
3:04:25
